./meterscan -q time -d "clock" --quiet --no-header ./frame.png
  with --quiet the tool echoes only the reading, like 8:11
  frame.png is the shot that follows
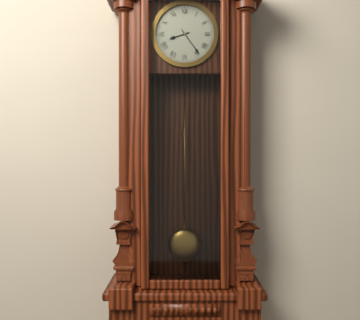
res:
8:24
